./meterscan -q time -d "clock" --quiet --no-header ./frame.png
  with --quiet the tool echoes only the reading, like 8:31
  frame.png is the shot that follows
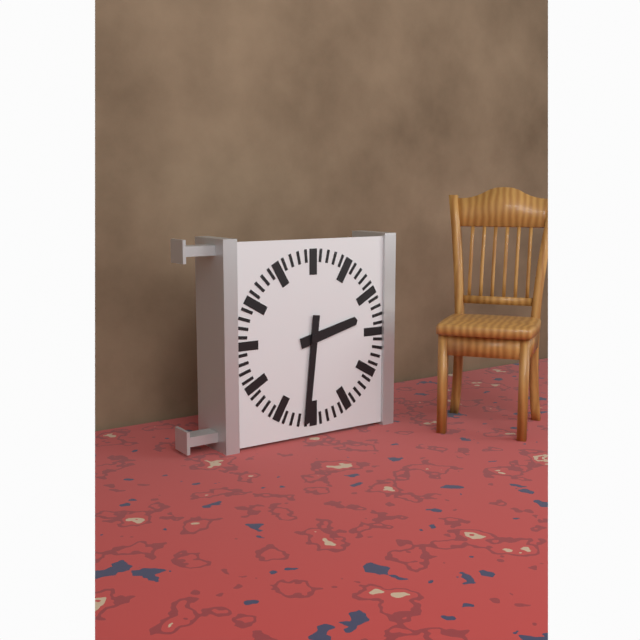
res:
2:31
